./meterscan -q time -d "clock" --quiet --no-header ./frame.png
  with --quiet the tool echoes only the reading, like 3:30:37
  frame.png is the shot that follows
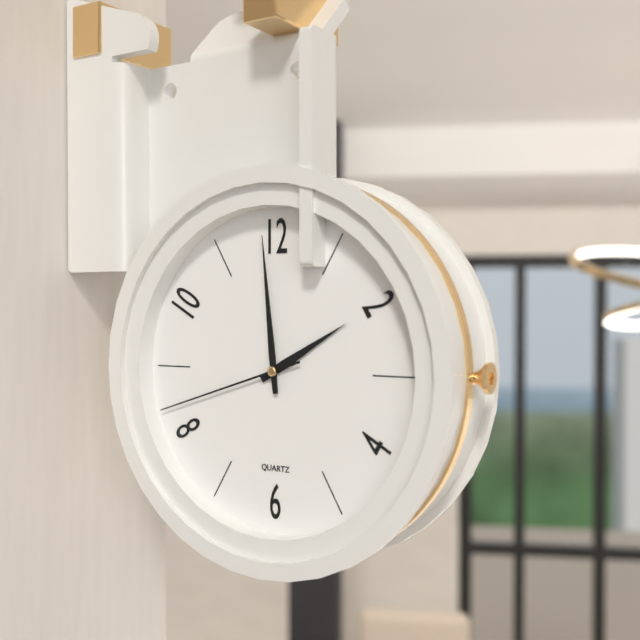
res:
1:59:42
